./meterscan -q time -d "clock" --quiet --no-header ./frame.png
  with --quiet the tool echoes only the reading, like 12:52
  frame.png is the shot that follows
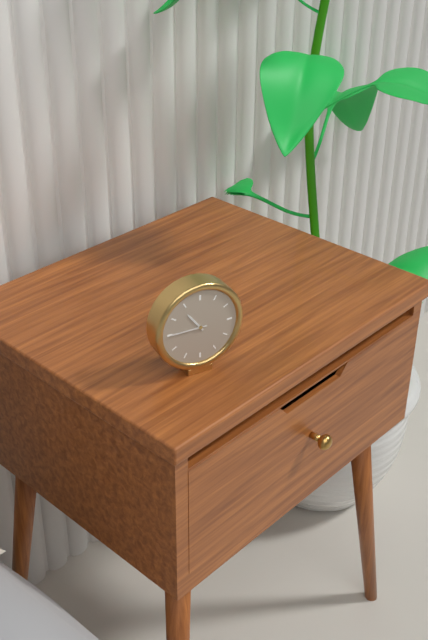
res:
10:45
